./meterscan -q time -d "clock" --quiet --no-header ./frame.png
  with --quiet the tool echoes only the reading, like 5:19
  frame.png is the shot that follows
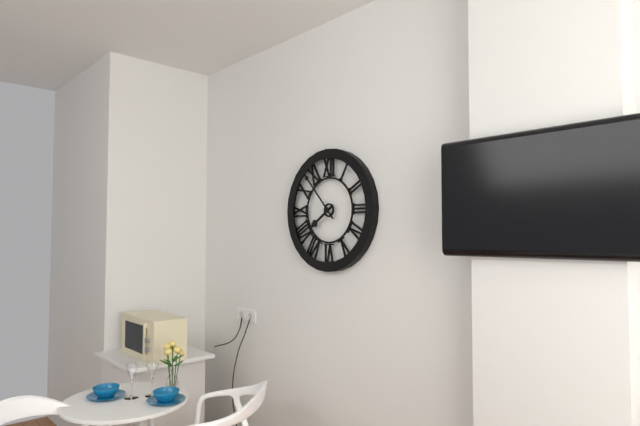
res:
7:53
